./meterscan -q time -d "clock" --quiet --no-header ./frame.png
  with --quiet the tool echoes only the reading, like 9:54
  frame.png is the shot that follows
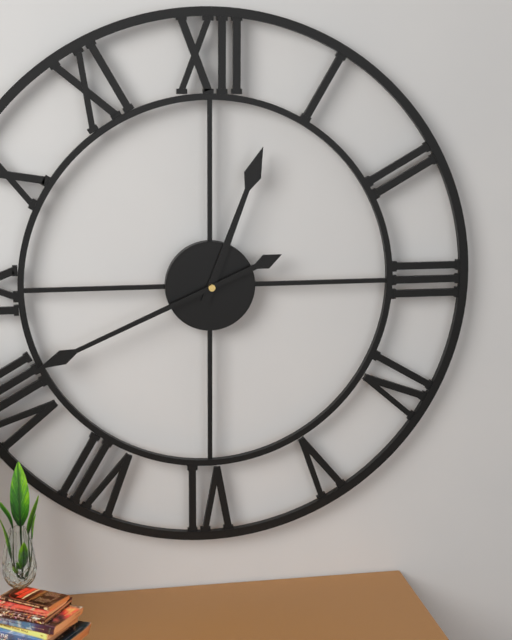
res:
12:41
